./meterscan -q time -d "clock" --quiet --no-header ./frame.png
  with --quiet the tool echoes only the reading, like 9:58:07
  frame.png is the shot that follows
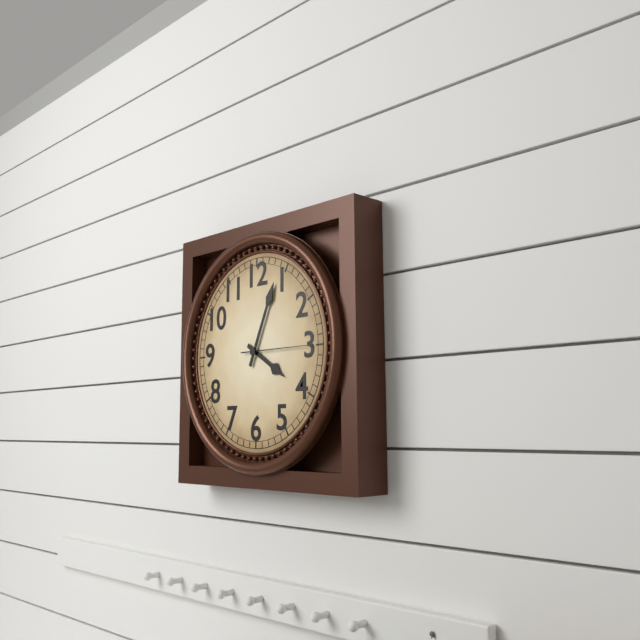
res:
4:04:15
